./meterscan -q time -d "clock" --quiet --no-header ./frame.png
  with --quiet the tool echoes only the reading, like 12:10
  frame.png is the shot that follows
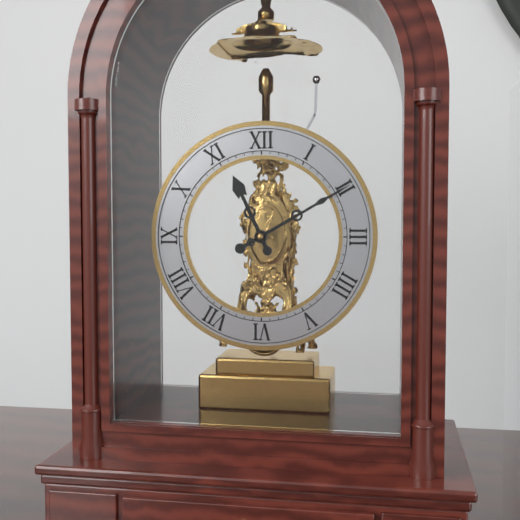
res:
11:10
